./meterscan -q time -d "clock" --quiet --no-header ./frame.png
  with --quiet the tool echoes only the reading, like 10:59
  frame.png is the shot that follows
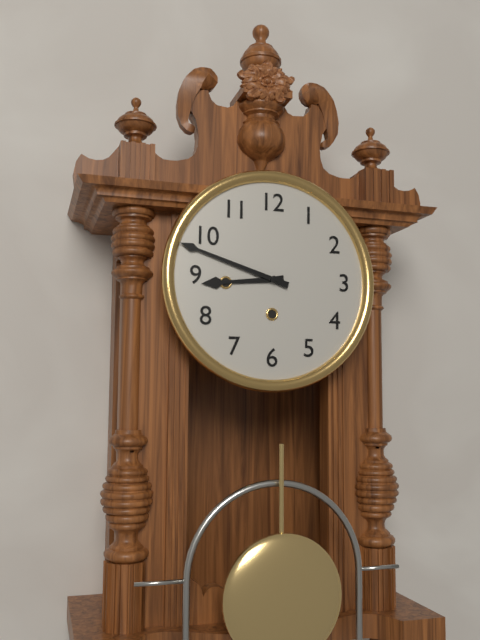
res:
8:48
